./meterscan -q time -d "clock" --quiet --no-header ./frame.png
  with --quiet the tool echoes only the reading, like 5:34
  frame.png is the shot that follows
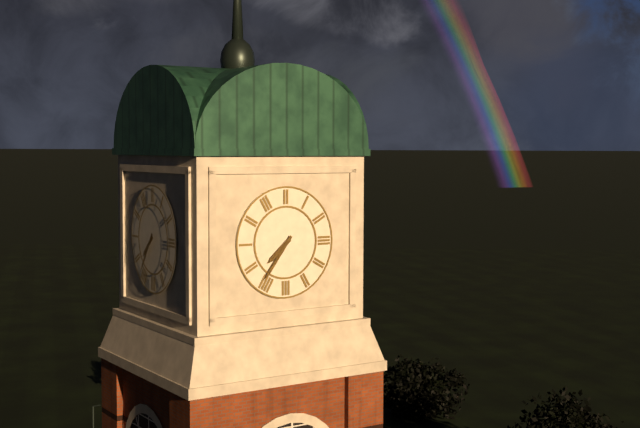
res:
7:36
